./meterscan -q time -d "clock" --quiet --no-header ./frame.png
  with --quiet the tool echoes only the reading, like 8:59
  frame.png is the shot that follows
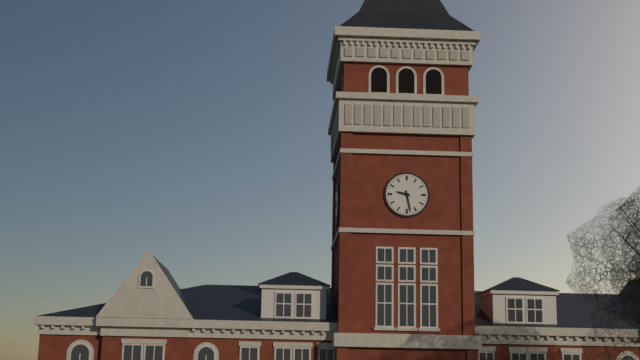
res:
9:28
